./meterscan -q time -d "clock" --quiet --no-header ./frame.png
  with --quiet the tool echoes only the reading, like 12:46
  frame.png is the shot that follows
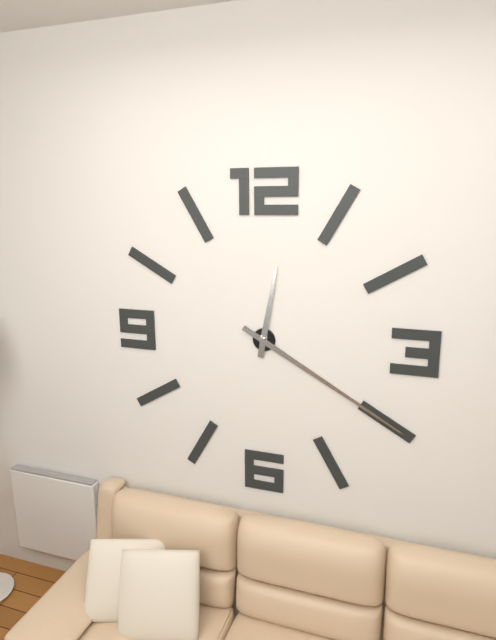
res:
12:20
